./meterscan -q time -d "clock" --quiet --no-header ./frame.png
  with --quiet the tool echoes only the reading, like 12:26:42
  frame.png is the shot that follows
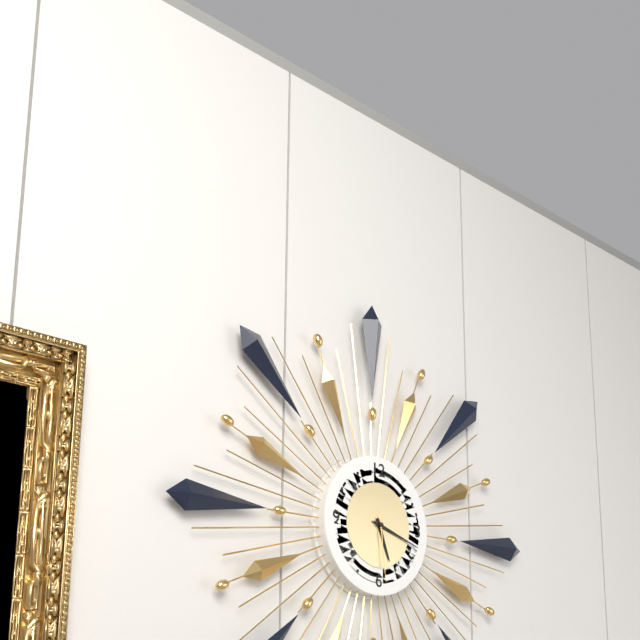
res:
5:18:29
